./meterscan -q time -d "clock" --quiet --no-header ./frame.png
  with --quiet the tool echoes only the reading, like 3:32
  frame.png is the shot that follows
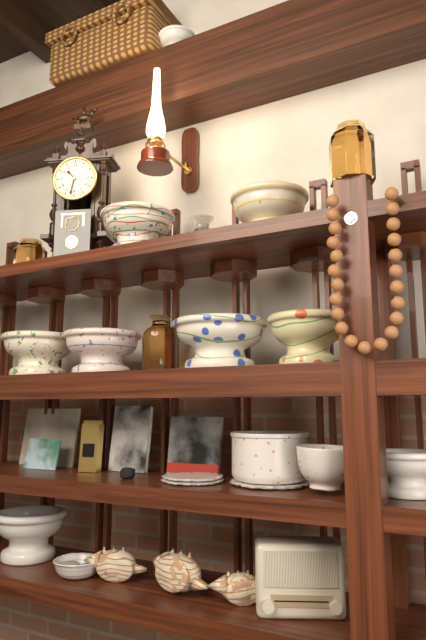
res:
10:32
